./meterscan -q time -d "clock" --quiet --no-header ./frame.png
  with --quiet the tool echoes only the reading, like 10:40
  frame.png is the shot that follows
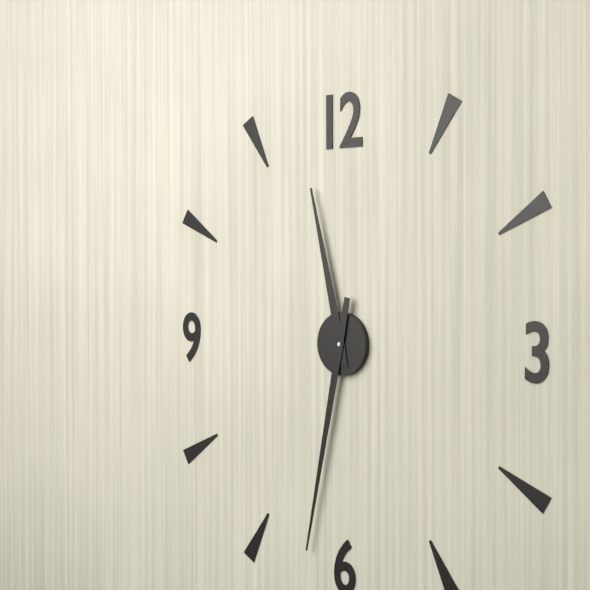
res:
11:32
